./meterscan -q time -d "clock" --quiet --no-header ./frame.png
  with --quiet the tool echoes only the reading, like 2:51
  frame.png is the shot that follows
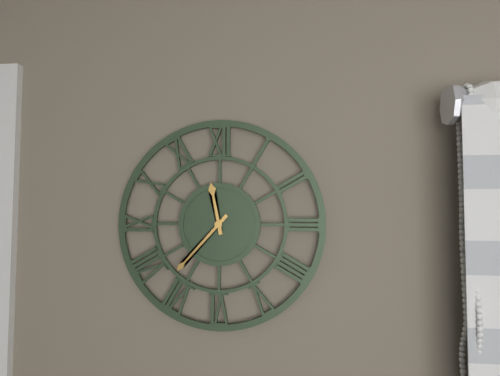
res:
11:37
